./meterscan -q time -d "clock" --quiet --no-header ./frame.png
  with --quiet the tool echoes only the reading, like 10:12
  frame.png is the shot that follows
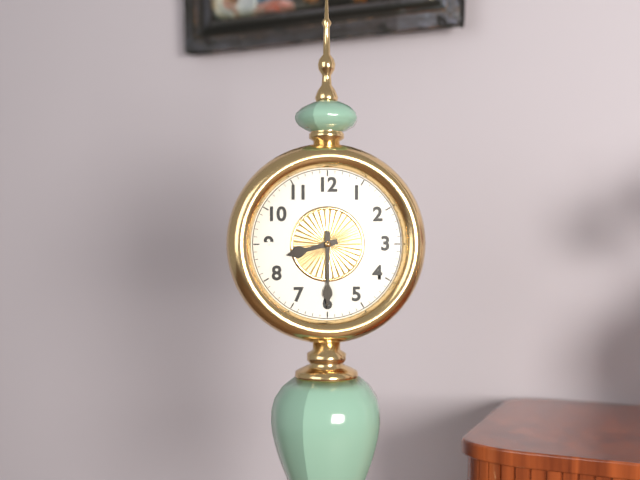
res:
8:30
